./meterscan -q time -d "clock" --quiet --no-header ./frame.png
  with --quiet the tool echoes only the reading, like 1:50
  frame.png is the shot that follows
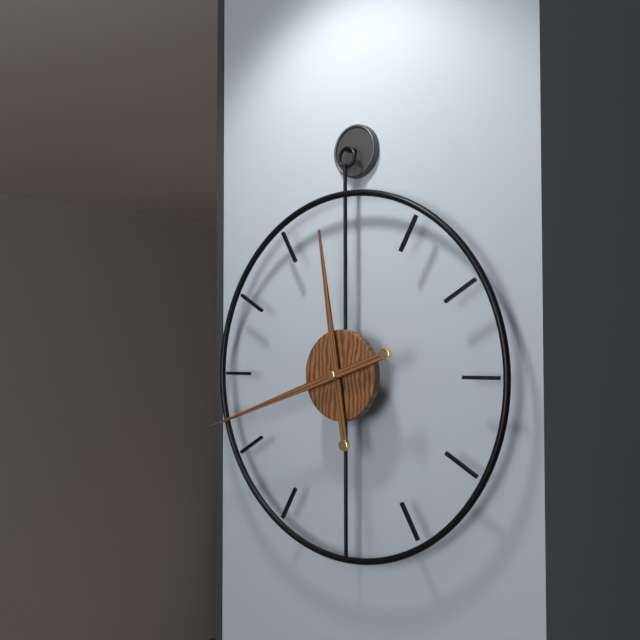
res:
11:42
